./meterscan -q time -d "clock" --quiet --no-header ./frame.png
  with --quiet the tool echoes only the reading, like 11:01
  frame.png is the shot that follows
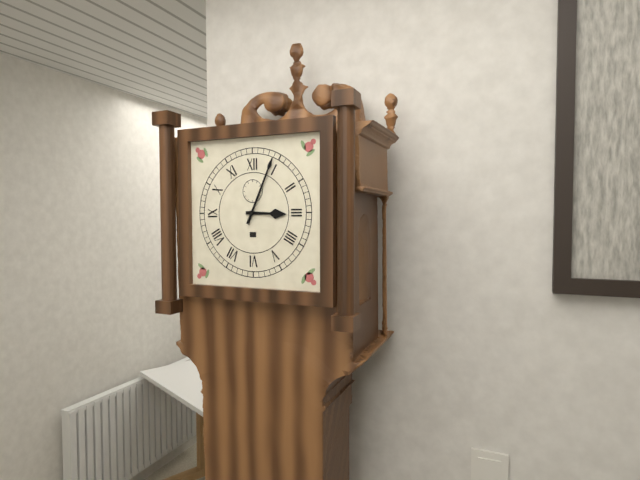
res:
3:04
